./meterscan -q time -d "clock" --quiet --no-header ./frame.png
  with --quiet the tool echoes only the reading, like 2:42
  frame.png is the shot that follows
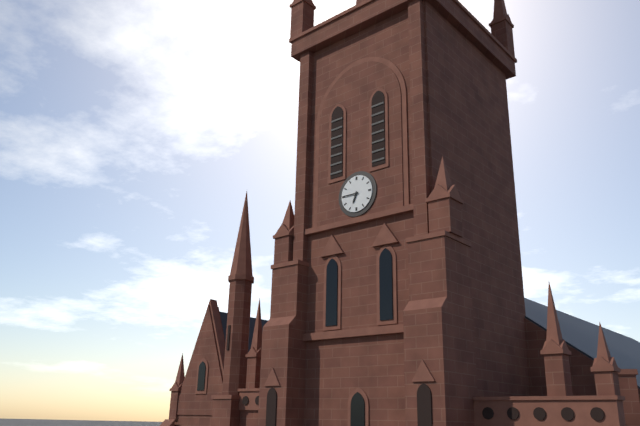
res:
6:45
